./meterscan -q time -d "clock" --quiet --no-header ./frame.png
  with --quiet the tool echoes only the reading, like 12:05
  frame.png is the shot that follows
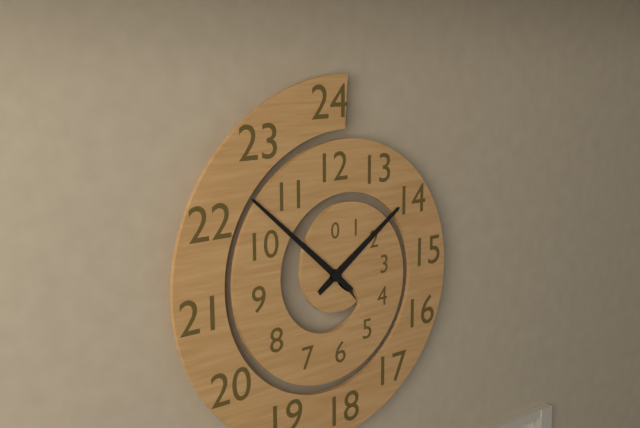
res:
1:52
